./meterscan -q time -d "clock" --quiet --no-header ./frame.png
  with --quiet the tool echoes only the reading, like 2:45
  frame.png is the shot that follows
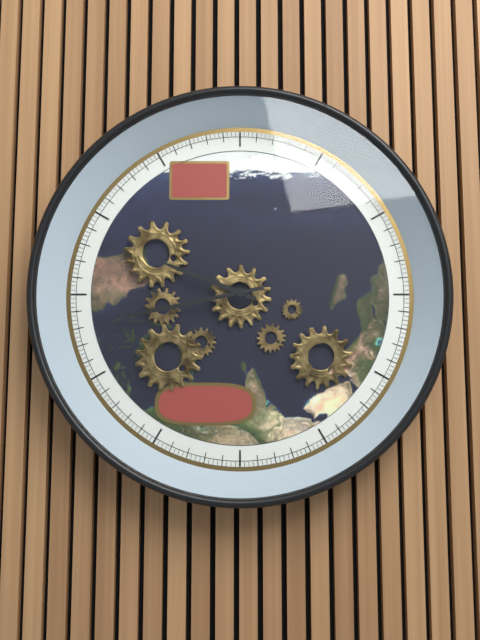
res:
9:43
